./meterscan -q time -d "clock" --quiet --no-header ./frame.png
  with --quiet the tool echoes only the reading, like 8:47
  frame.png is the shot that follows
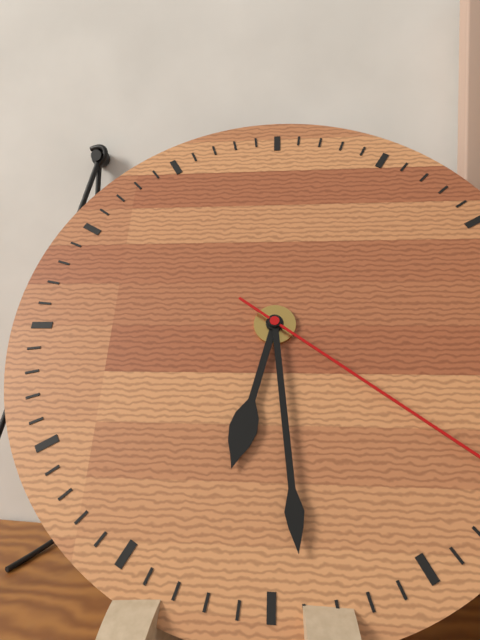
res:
6:29
